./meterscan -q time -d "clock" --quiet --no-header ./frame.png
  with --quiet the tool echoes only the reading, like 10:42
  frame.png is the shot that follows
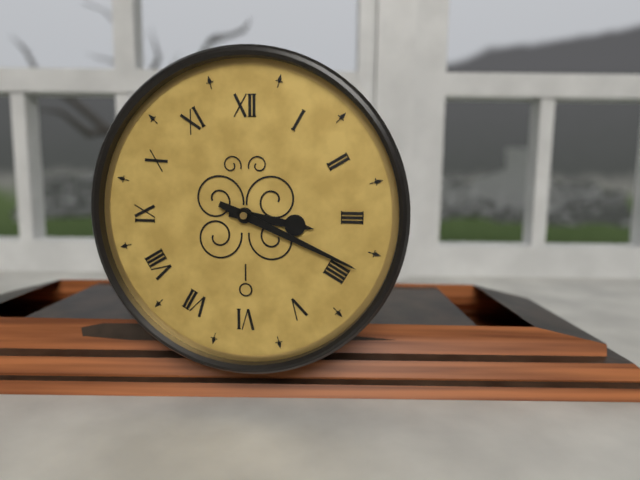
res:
3:19
